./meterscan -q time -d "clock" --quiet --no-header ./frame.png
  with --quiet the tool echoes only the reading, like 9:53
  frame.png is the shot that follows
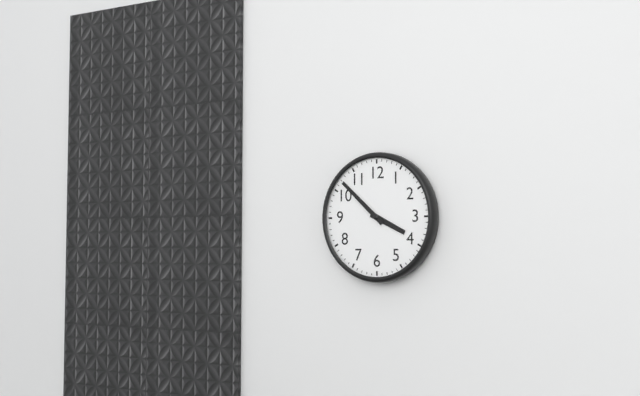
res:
3:52
